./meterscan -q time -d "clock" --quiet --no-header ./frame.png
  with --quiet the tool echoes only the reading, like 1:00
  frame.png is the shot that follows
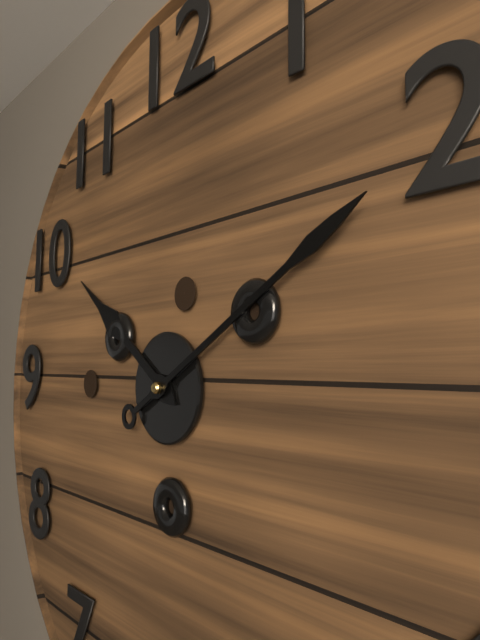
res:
10:10
